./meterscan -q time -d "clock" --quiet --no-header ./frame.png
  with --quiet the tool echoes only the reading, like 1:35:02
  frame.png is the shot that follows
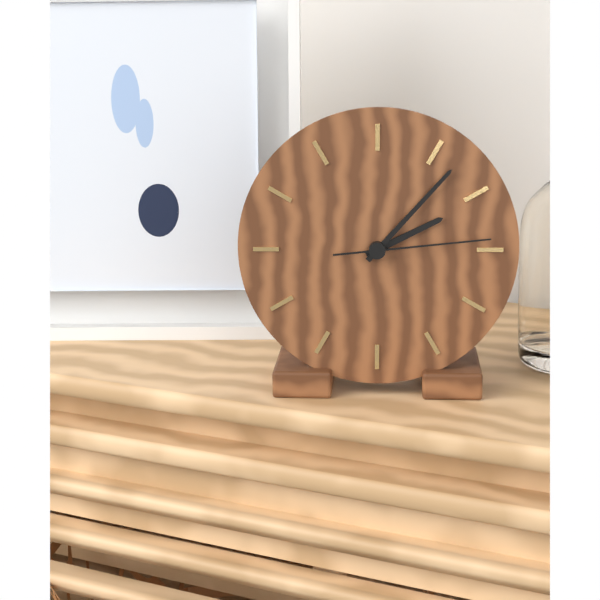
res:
2:07:14
